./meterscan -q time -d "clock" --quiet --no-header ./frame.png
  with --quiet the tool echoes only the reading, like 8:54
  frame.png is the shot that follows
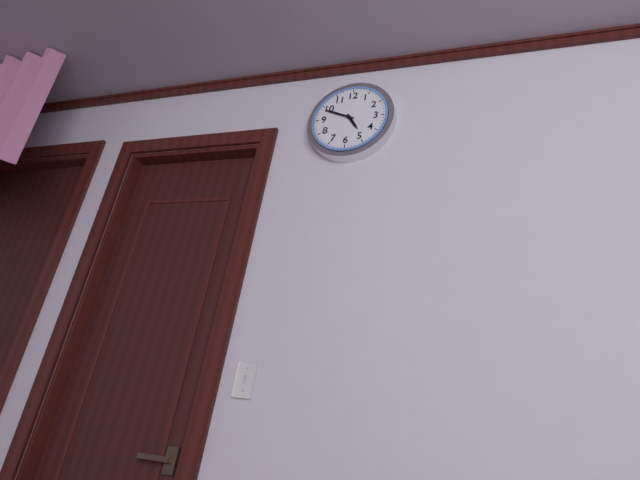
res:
4:49
